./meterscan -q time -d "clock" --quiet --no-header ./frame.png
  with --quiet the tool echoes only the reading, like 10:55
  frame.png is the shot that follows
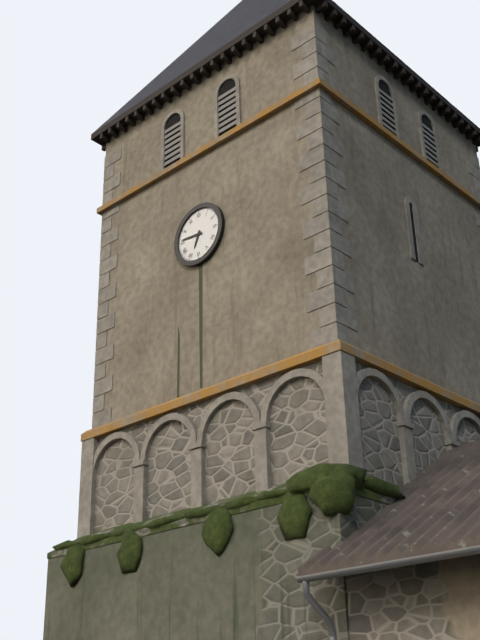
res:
6:46
